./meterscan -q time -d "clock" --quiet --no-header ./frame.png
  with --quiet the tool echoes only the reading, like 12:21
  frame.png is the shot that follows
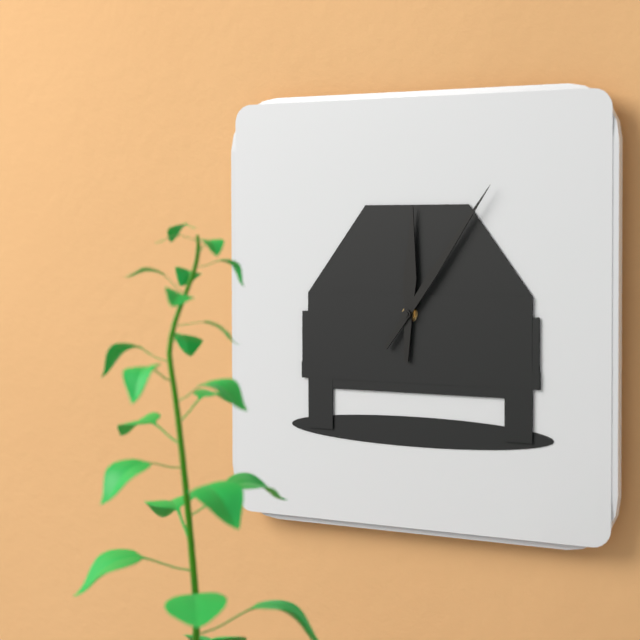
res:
12:06
